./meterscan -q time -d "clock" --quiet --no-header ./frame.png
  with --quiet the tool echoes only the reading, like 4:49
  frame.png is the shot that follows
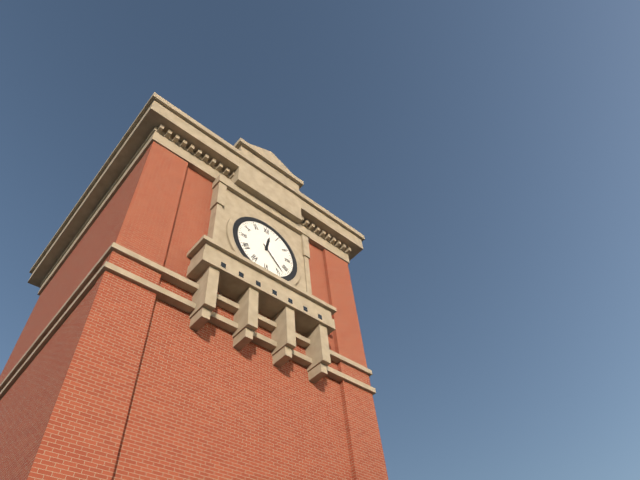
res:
12:23
